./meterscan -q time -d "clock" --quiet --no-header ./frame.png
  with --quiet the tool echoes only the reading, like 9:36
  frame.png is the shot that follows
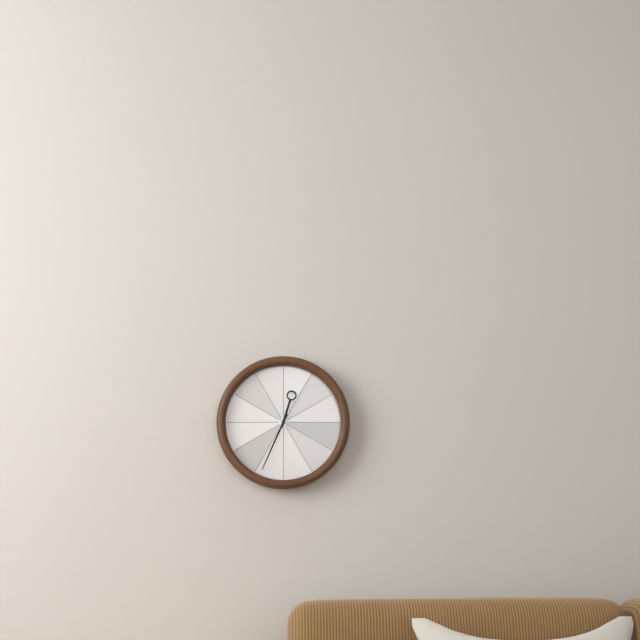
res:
12:34
